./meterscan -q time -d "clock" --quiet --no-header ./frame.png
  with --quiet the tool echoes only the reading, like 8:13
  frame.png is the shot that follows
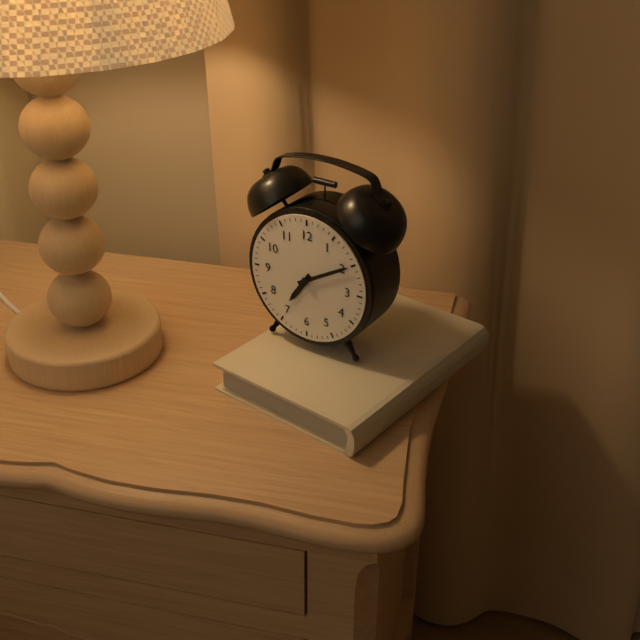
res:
7:10
